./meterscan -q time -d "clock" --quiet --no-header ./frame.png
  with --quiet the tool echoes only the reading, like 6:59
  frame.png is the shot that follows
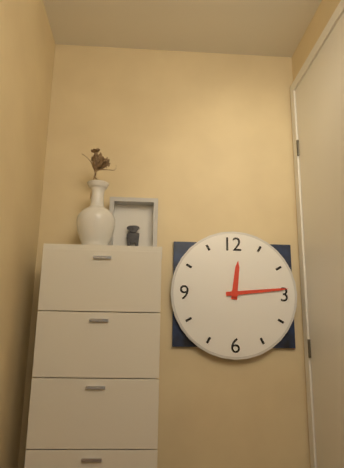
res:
12:14
